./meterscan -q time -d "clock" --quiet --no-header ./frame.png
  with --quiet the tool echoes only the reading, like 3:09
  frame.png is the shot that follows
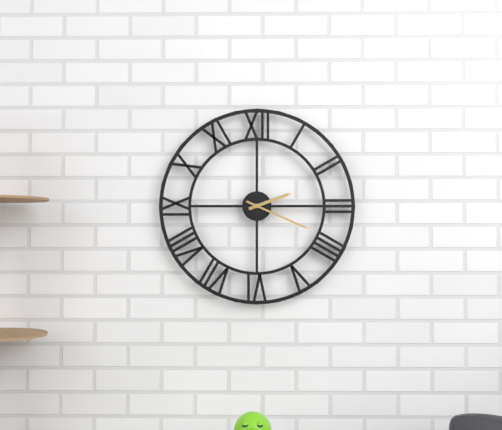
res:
2:19
